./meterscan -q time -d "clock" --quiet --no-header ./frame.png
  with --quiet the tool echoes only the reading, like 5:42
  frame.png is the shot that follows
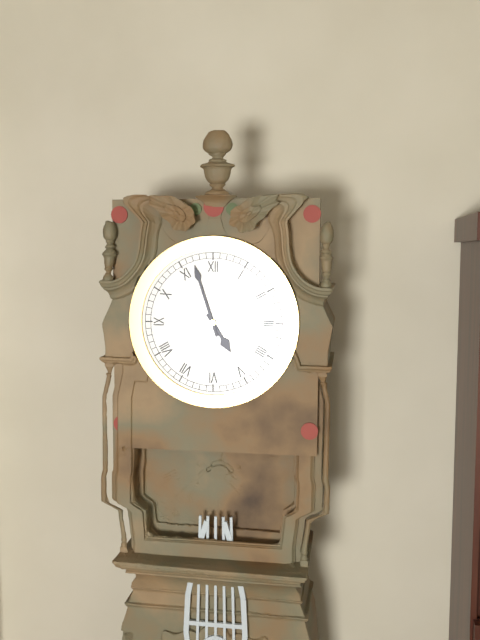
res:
4:57
